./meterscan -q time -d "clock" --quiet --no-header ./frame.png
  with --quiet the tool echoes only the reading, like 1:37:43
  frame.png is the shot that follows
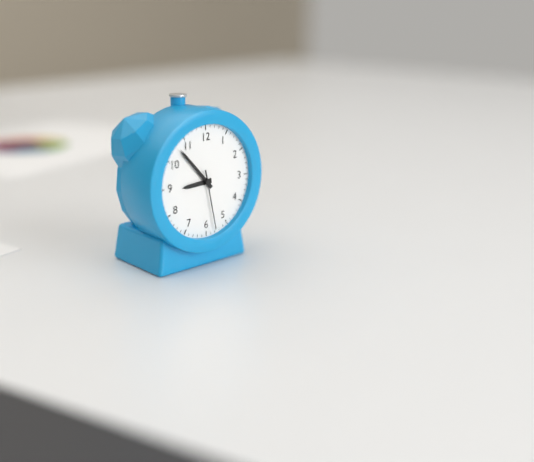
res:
8:53:28
